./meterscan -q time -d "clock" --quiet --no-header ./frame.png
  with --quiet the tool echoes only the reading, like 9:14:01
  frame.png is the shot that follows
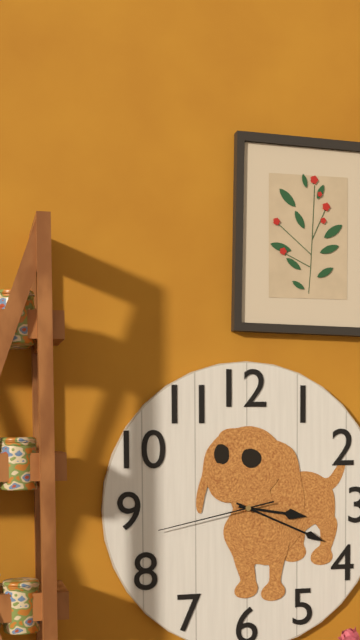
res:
3:19:43
